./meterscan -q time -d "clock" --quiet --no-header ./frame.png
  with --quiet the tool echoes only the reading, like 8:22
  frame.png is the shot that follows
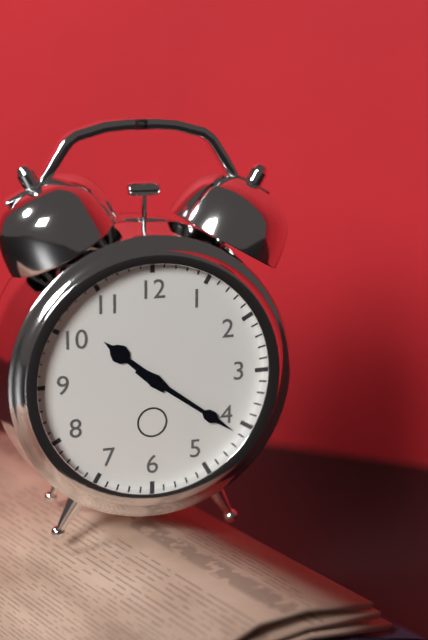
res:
10:21
